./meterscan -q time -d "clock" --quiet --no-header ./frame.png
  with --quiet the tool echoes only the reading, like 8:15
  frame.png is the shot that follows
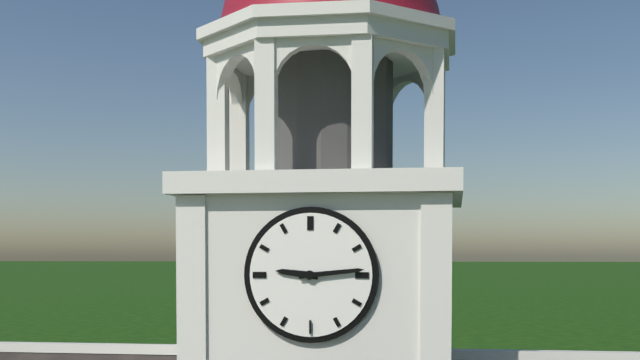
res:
9:14
